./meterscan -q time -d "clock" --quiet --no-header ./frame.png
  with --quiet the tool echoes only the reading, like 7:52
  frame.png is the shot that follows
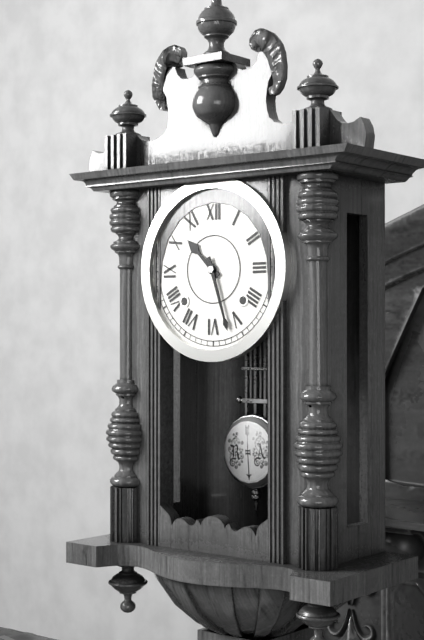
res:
10:27
